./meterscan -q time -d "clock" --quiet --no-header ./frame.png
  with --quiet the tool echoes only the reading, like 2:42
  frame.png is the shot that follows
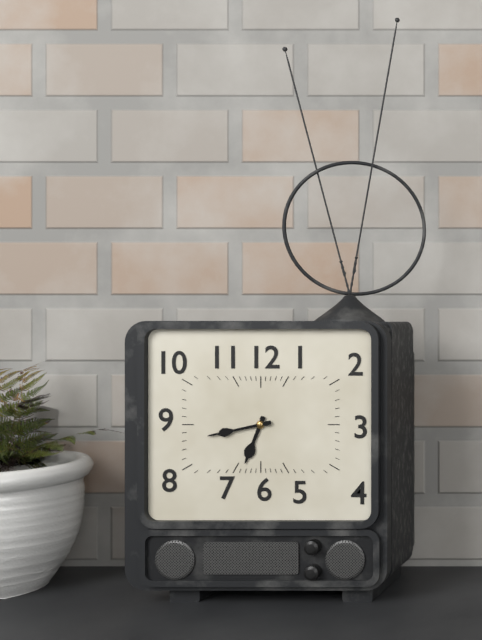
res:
6:43
